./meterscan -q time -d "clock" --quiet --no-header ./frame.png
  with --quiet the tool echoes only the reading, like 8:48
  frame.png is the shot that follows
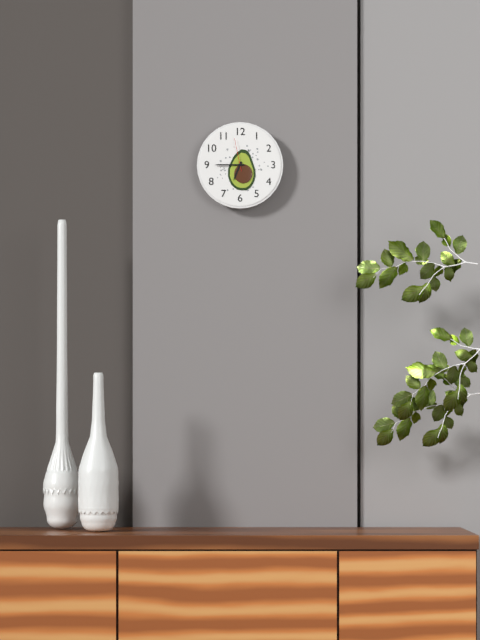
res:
6:45
